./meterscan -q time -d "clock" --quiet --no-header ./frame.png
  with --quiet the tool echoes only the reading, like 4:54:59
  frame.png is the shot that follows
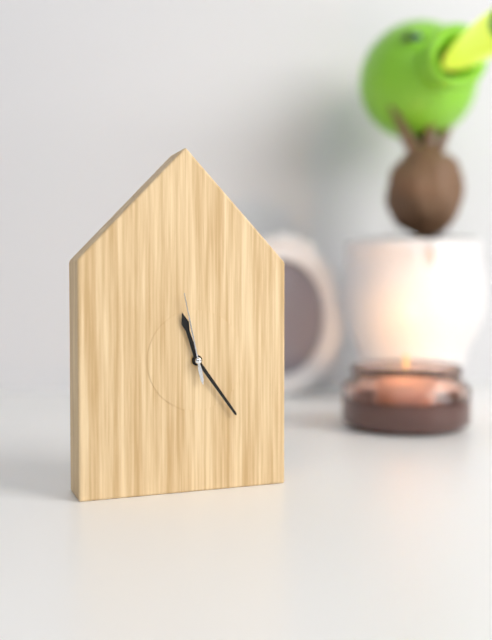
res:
11:24:58
